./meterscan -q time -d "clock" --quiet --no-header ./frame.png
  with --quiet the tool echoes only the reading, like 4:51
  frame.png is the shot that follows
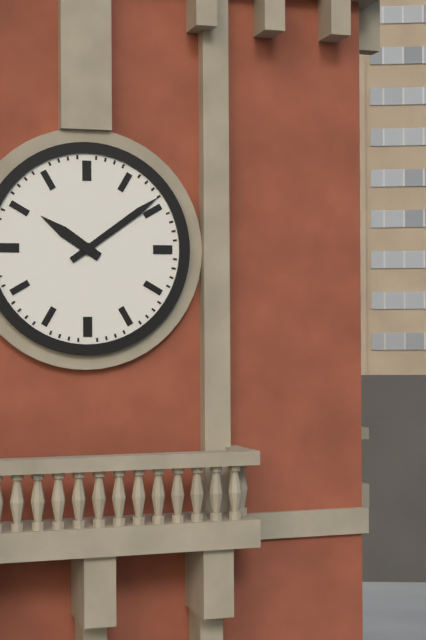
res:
10:09
